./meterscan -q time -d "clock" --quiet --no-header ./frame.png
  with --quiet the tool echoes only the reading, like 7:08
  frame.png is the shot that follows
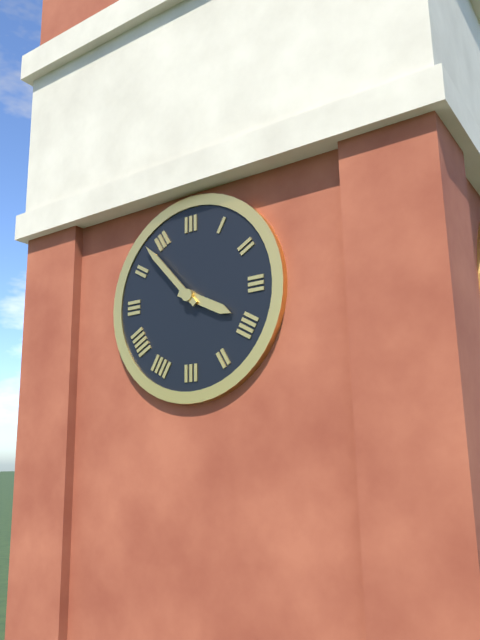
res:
3:53
